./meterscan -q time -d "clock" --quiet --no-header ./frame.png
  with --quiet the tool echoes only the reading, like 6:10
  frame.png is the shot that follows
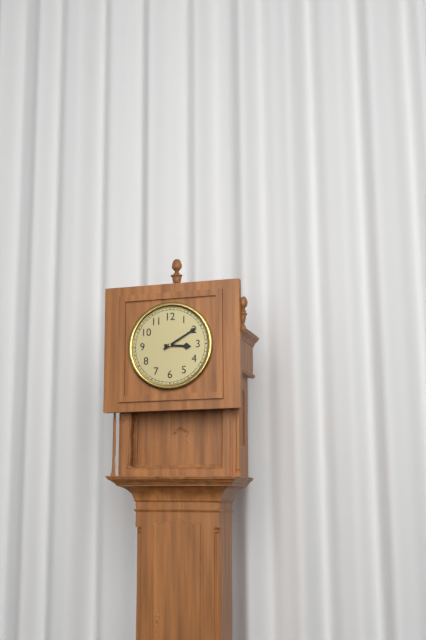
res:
3:10
